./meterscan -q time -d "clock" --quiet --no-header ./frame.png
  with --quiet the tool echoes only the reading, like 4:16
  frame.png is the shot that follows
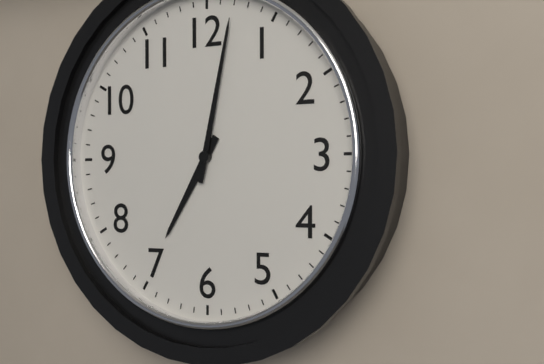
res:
7:02
